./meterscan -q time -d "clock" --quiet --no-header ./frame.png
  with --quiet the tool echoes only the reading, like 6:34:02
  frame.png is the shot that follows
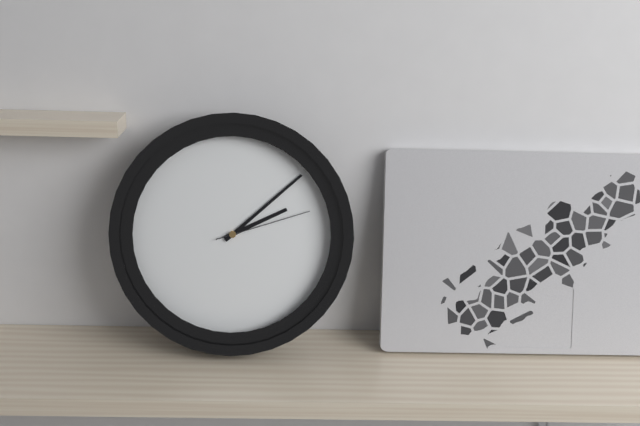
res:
2:08:12
